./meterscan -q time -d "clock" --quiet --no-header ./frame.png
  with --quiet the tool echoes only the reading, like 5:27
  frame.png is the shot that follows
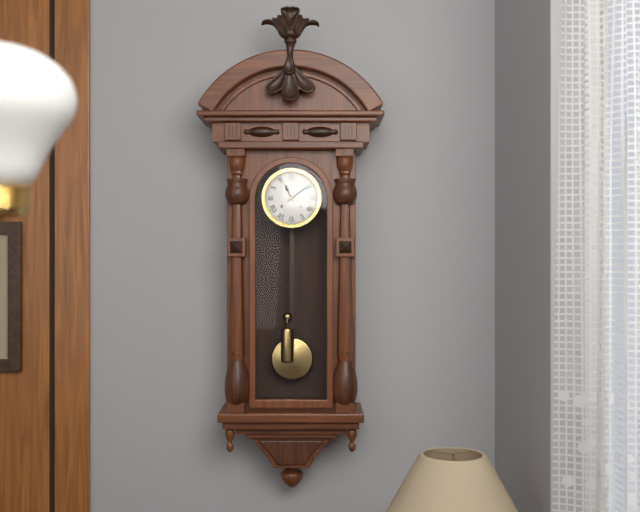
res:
11:09
